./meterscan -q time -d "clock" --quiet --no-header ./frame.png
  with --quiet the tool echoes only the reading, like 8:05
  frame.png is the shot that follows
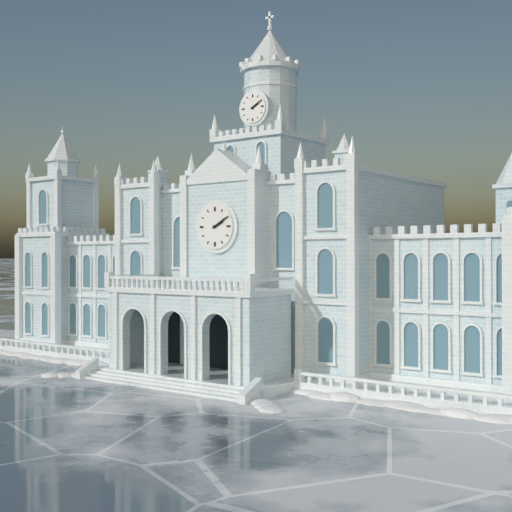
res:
2:10
